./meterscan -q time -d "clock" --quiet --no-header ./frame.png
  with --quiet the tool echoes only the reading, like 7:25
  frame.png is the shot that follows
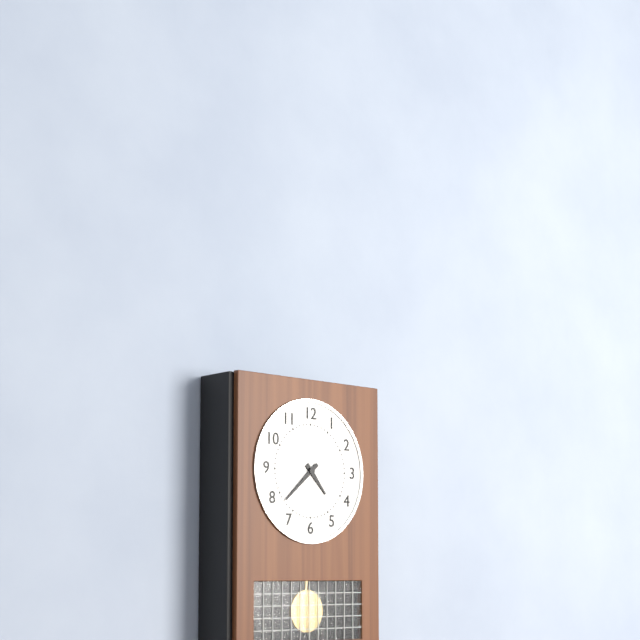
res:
4:38
